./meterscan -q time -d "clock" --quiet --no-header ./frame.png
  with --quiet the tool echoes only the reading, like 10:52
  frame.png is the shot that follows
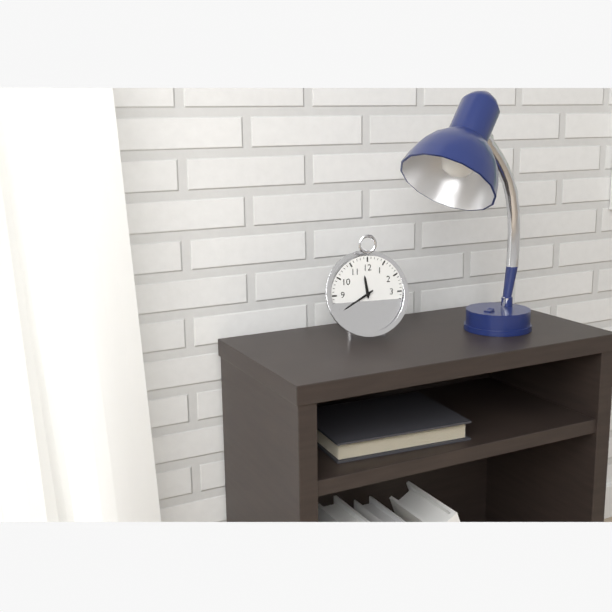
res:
11:40
